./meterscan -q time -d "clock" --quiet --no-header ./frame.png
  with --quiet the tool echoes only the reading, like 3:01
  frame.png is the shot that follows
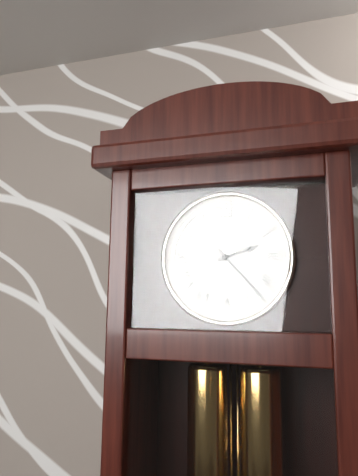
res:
2:23
